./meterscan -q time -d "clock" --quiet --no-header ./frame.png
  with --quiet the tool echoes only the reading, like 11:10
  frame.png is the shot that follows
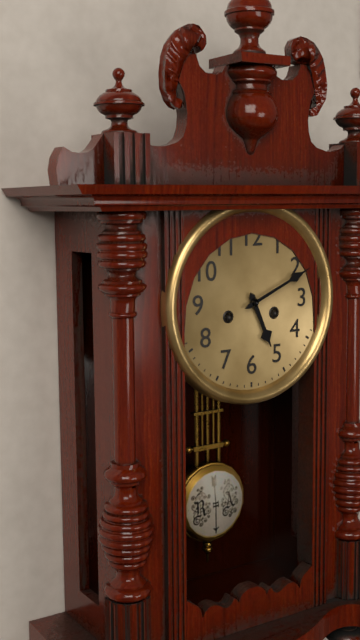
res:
5:11
